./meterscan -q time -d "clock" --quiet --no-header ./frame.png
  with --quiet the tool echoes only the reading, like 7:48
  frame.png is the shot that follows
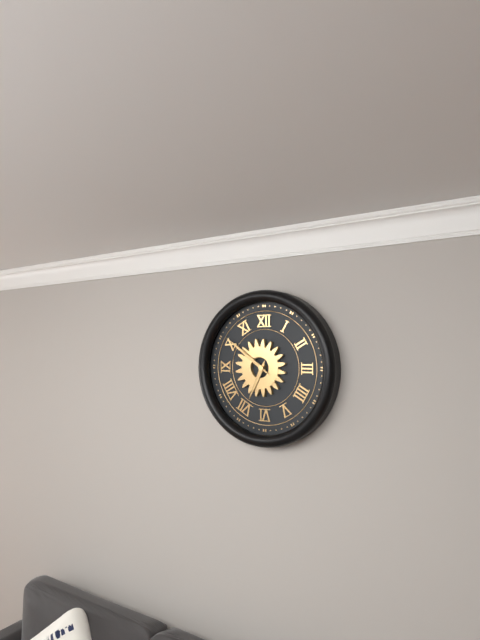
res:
6:51
